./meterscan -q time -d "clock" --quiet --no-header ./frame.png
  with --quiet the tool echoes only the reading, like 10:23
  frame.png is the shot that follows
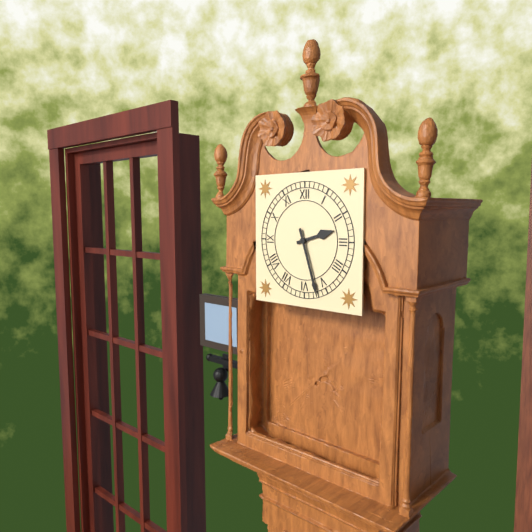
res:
2:27
